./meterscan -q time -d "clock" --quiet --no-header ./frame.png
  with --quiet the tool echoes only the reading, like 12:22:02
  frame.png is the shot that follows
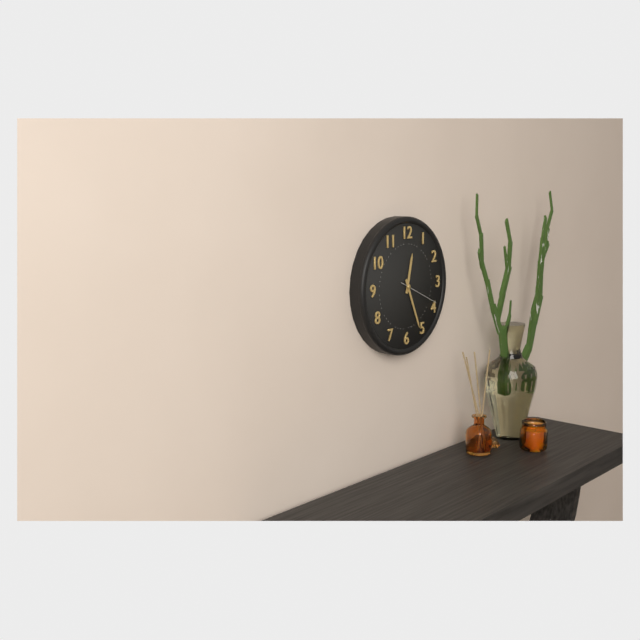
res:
12:26:19
